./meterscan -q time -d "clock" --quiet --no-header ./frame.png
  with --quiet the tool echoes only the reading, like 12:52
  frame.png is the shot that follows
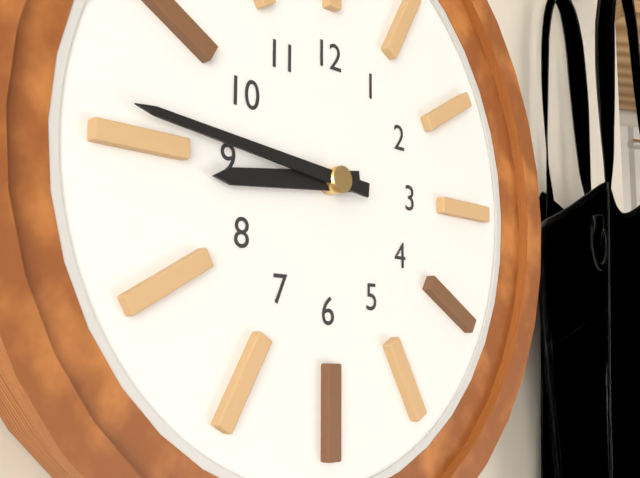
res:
8:46
